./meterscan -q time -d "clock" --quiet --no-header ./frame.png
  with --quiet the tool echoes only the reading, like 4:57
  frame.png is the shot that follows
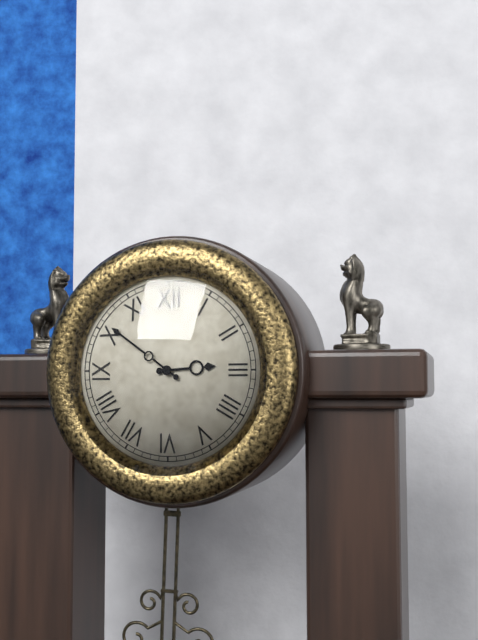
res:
2:51
